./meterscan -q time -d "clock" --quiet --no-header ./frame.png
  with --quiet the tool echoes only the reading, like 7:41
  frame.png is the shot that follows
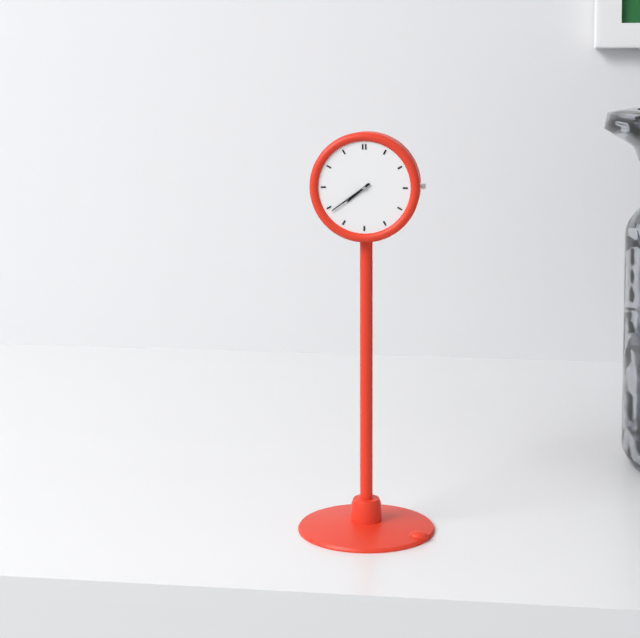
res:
7:39
